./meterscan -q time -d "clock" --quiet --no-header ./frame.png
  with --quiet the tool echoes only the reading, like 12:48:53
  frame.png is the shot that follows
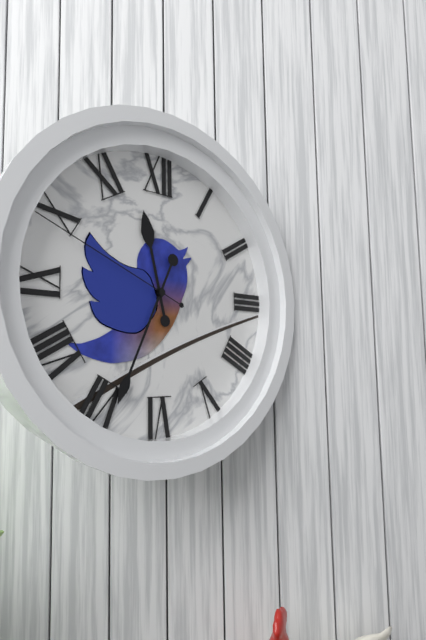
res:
11:34:49
